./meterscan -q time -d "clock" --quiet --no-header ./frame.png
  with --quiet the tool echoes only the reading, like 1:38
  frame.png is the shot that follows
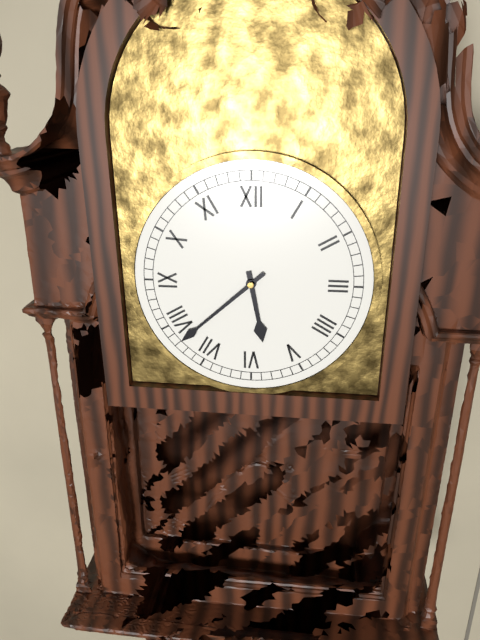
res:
5:38
